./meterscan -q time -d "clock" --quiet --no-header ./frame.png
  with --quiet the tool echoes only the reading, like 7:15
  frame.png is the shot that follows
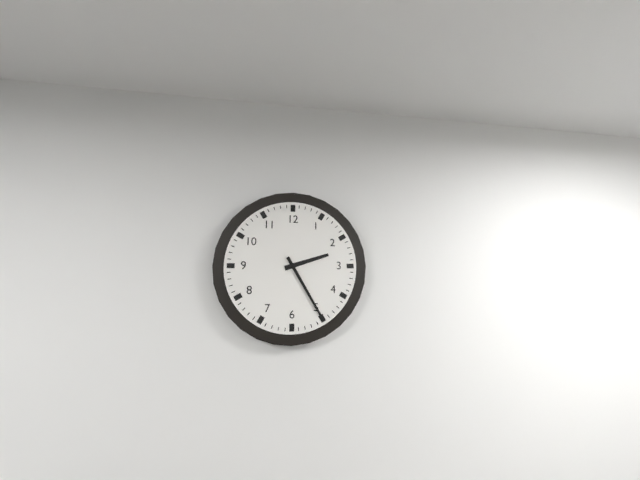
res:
2:25
